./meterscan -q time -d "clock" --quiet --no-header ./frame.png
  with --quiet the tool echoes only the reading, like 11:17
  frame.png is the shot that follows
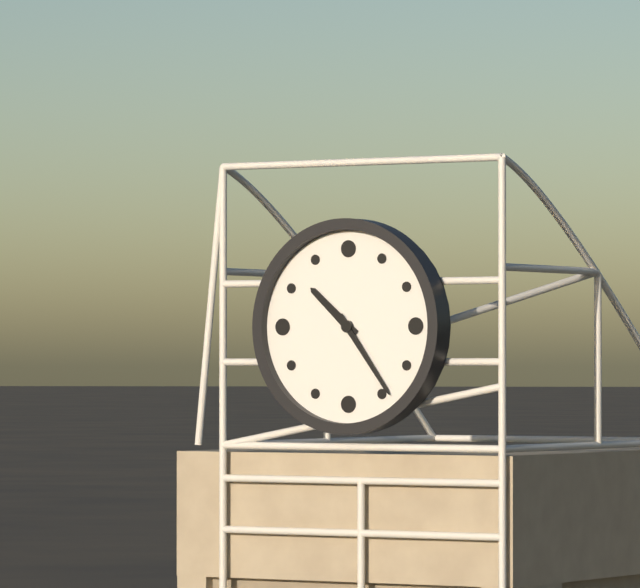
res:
10:24
